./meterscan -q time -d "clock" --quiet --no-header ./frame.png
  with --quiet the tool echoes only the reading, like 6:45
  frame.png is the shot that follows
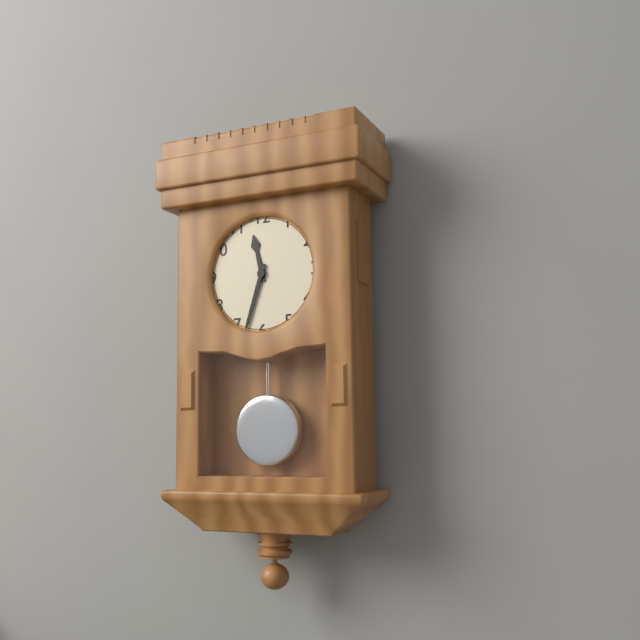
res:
11:33
